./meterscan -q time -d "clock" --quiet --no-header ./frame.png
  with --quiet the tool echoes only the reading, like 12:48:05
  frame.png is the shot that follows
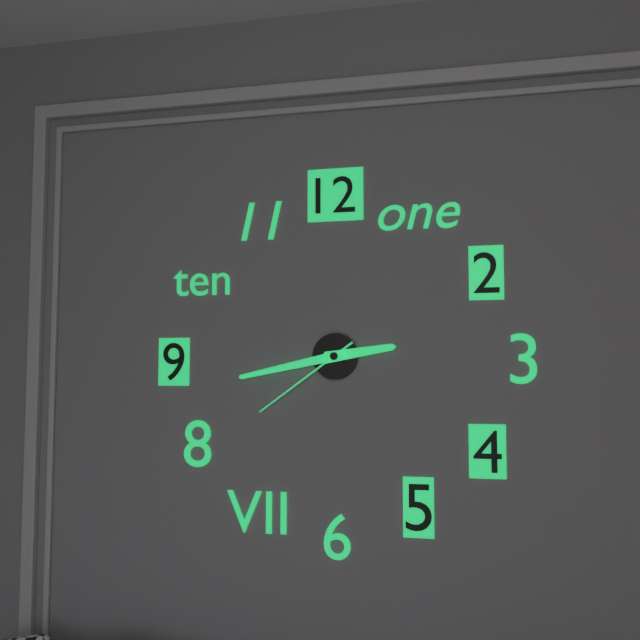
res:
2:43:39
